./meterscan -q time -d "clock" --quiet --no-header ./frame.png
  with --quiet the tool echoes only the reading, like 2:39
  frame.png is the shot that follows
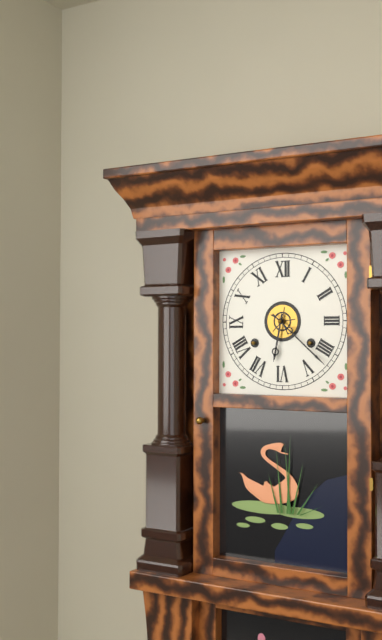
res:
6:22
